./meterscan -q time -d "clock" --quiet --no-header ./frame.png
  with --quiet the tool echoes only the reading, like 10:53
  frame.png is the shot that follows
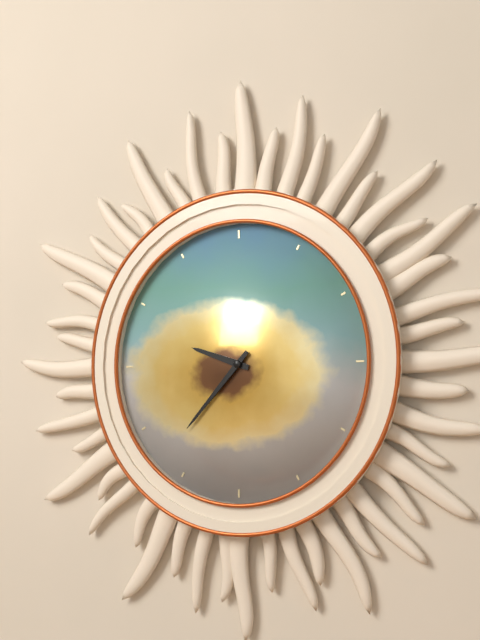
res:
9:37
